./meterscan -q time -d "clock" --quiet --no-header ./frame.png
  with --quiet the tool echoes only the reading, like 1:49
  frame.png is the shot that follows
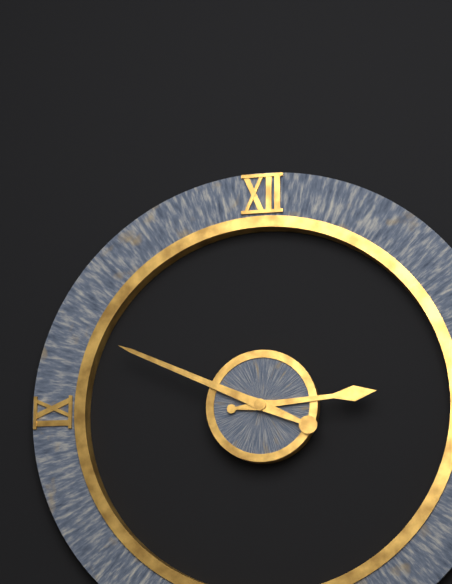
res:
2:49
